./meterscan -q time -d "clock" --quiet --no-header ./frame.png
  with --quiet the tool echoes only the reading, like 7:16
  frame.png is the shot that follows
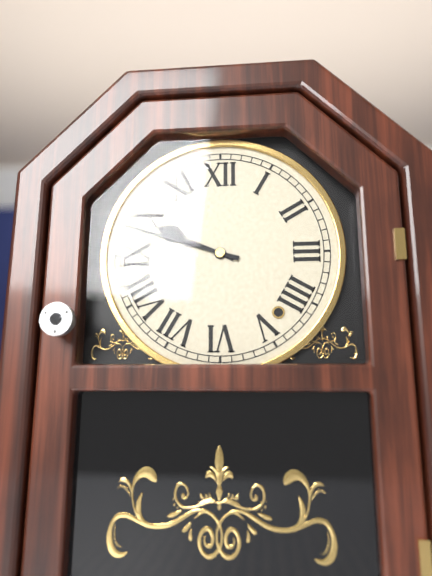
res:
9:48
